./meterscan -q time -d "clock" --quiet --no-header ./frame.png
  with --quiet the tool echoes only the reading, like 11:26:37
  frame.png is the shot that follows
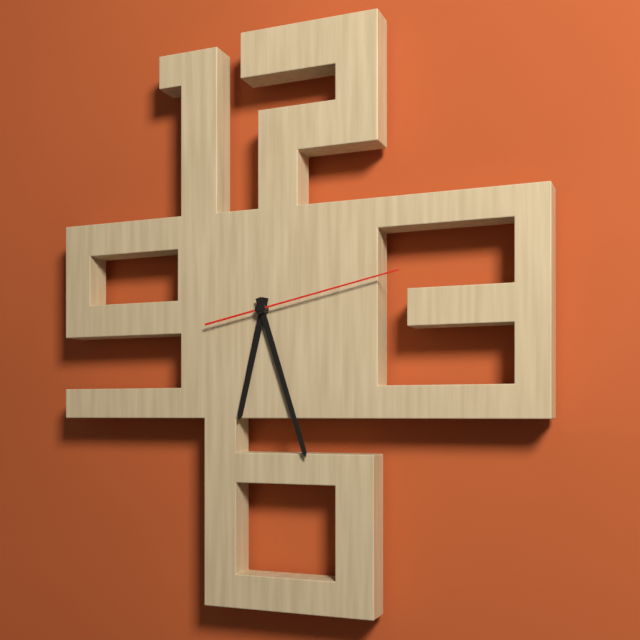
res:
6:27:13
